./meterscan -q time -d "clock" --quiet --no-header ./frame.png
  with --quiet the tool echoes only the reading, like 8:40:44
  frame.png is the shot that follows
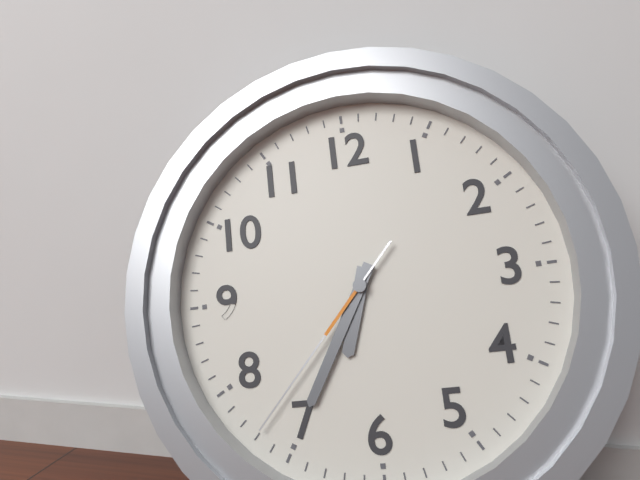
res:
6:35:37
